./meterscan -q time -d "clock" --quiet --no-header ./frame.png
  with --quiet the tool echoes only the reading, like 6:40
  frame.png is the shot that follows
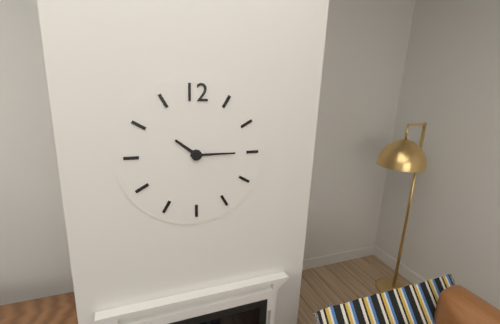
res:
10:15
